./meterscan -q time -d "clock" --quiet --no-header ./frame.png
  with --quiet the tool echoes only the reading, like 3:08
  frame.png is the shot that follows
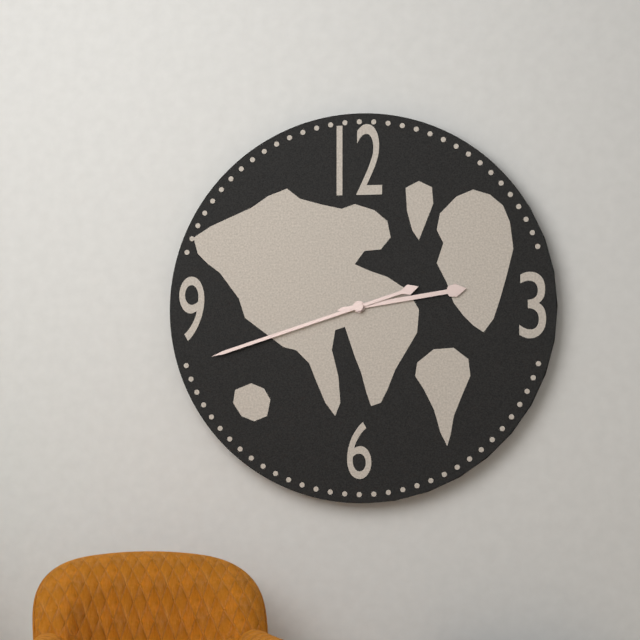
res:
2:42
